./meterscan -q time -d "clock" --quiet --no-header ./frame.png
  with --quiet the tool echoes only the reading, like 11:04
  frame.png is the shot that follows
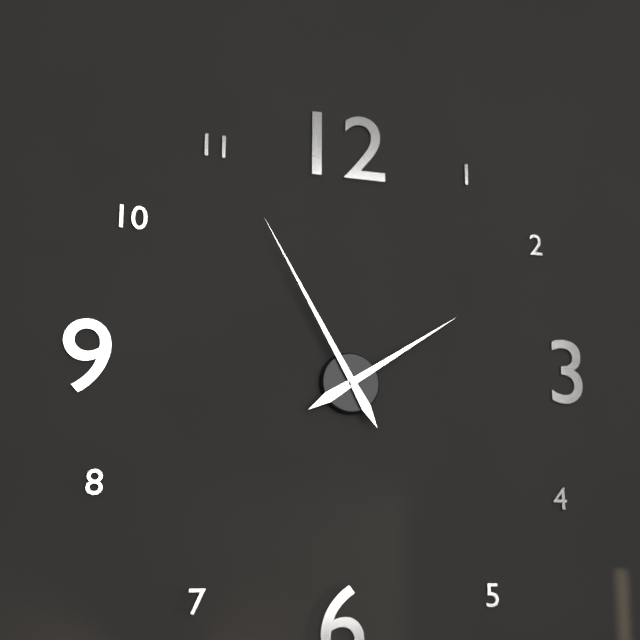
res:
1:55
